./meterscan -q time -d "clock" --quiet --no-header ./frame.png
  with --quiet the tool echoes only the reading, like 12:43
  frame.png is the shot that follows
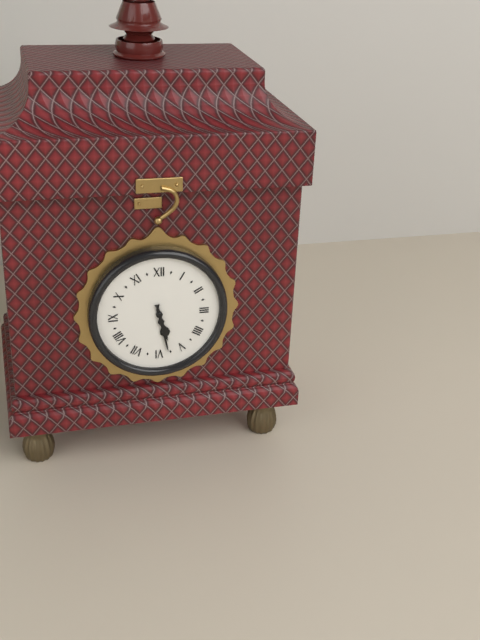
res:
5:28
